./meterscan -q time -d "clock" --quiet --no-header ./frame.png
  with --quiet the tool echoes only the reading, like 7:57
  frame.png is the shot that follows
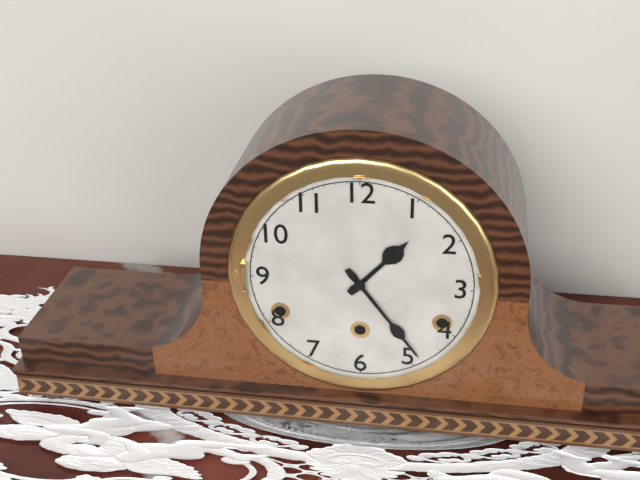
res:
1:24
